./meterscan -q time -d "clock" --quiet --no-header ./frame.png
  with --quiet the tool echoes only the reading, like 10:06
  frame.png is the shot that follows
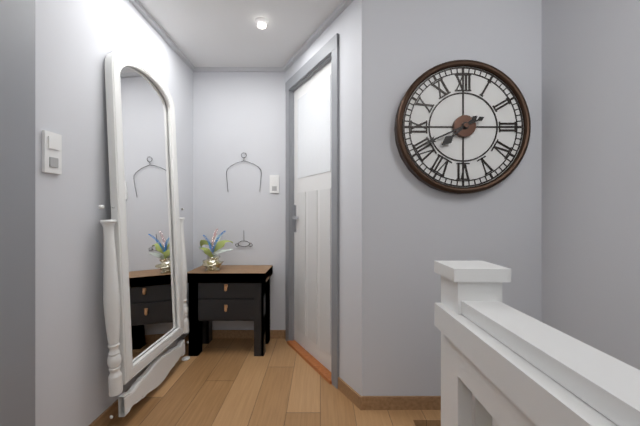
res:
7:41
